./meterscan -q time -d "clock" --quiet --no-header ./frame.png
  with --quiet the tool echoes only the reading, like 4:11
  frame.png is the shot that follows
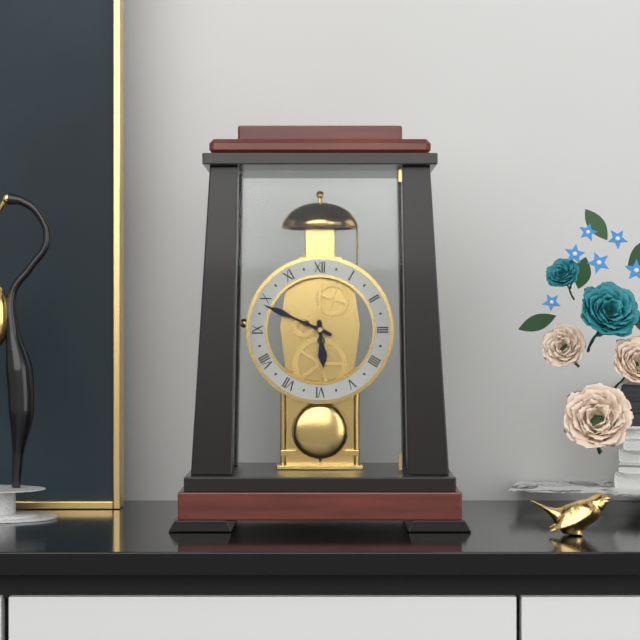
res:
5:49
